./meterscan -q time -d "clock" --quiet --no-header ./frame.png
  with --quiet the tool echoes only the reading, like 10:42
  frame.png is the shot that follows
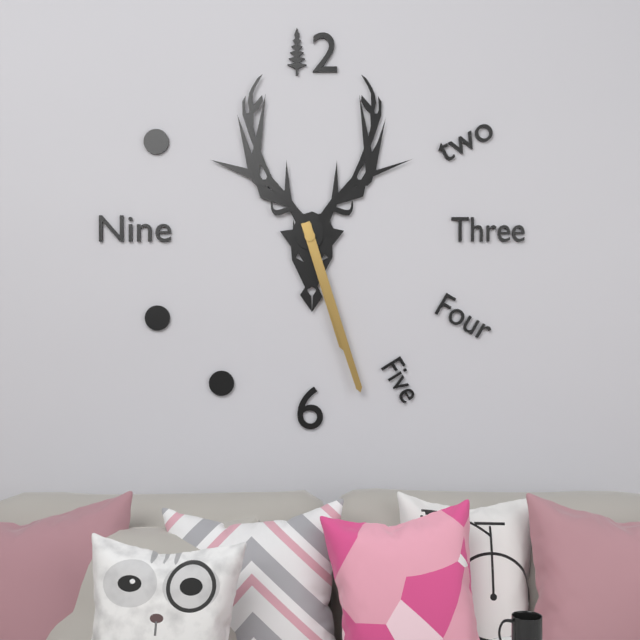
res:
5:27
